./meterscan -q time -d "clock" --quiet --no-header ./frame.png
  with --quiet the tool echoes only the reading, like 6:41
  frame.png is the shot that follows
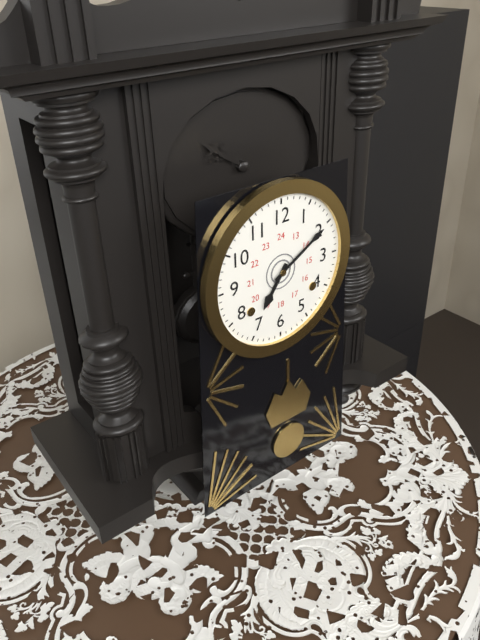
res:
7:10
